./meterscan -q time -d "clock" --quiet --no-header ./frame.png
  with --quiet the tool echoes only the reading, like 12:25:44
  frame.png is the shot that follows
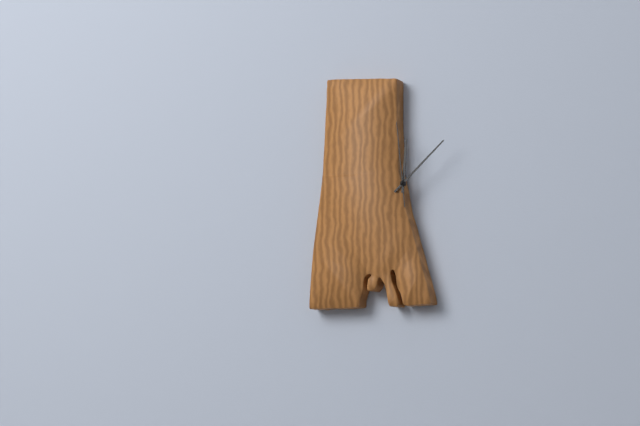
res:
12:08:59
